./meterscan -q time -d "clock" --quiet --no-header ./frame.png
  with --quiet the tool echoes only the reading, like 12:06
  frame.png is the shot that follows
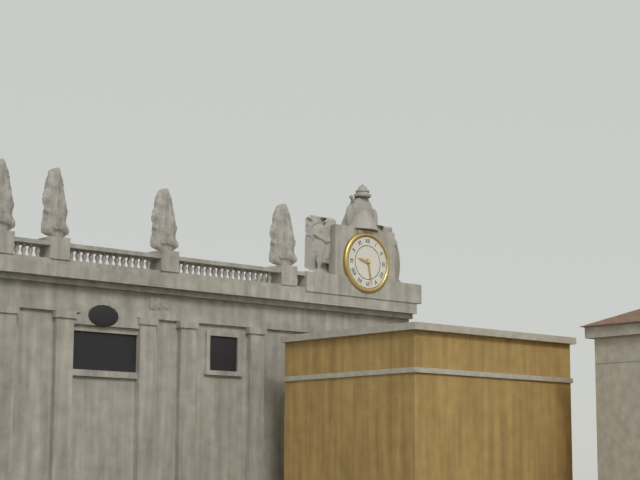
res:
9:28
